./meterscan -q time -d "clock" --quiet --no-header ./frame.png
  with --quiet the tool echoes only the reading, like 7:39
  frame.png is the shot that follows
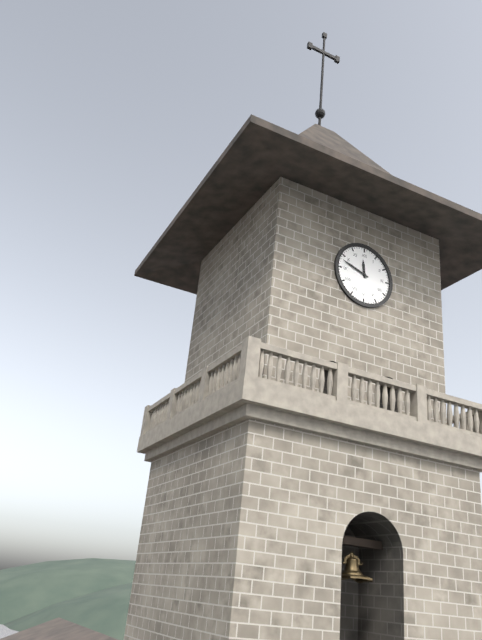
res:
11:48
